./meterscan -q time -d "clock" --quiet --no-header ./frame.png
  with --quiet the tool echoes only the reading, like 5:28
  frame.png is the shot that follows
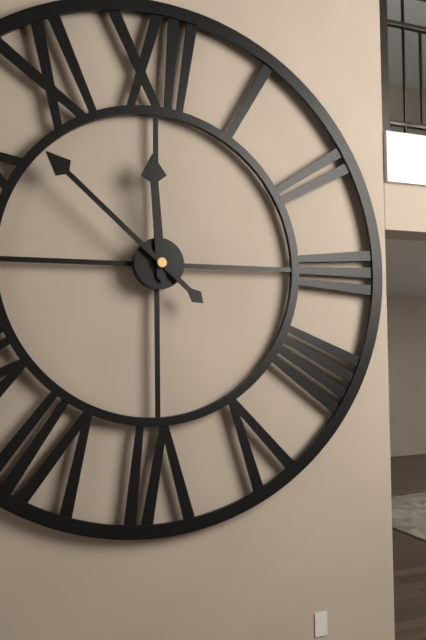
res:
11:52
